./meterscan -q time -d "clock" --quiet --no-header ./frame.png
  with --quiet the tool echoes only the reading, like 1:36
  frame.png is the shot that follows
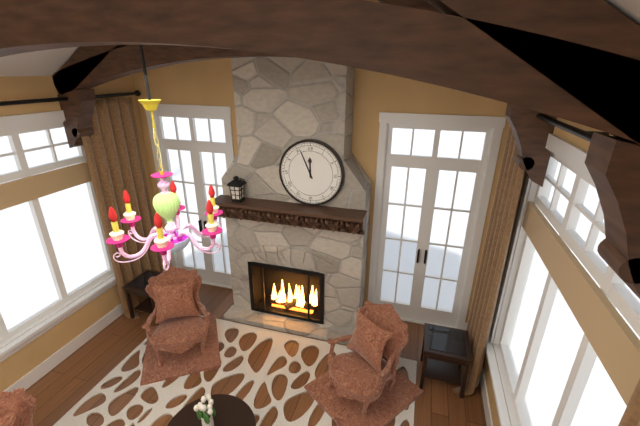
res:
11:56
